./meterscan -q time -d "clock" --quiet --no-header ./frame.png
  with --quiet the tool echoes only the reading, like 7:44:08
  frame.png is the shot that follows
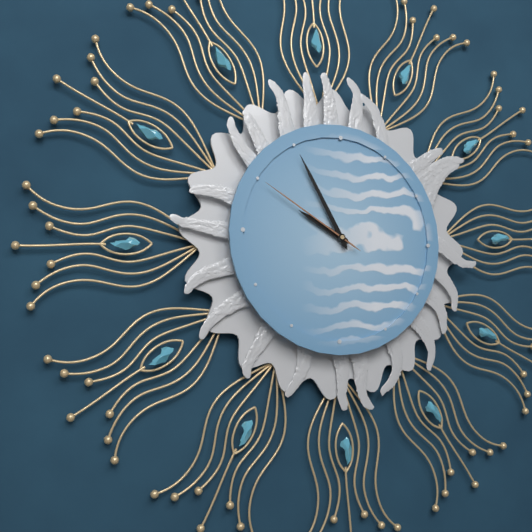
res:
9:55:50
